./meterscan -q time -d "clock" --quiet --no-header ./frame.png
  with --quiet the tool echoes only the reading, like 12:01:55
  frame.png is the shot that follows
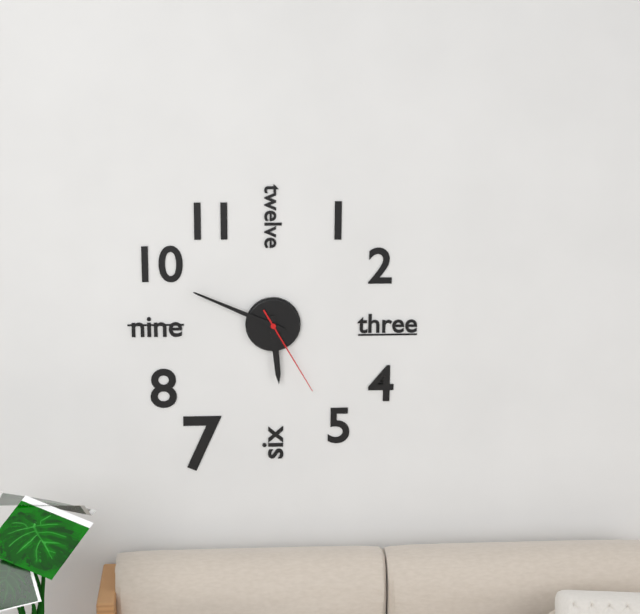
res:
5:49:25
